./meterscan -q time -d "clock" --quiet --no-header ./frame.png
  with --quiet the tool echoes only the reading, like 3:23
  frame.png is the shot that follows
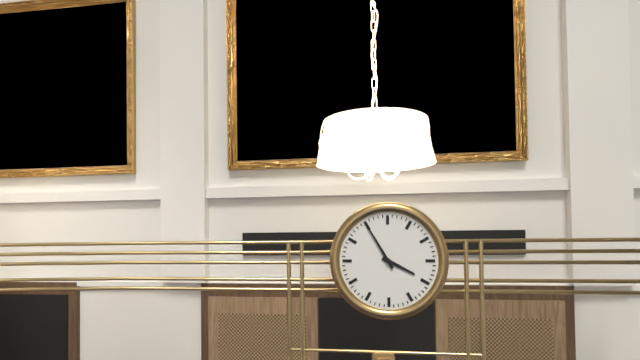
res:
3:55
